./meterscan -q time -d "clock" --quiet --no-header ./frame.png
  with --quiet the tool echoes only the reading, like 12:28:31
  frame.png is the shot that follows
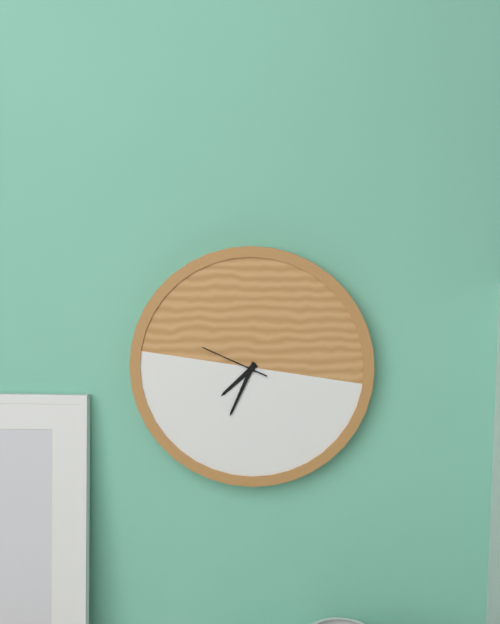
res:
7:34:49
